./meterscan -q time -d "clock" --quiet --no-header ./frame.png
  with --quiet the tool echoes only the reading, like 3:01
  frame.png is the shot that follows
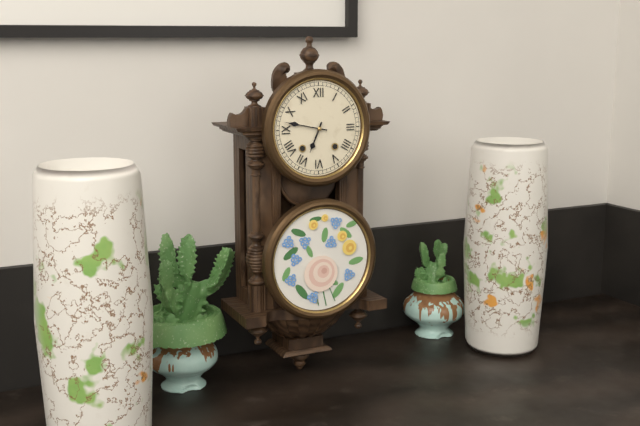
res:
6:47
